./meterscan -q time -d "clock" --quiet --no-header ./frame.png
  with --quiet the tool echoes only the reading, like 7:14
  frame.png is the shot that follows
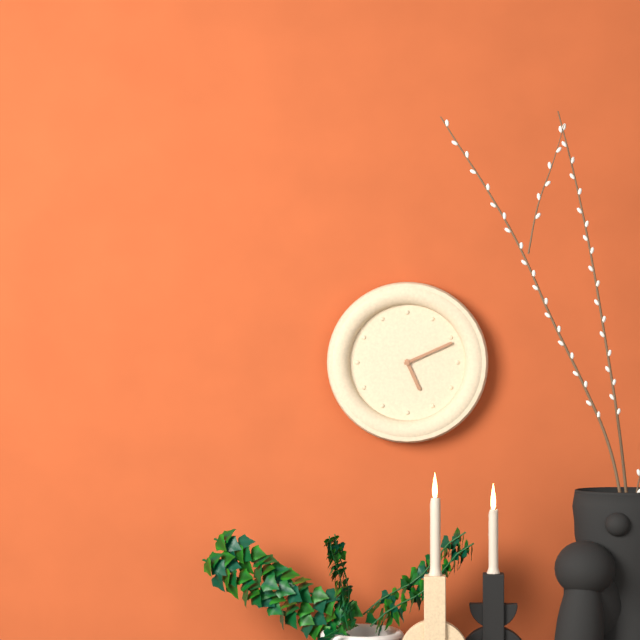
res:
5:11
